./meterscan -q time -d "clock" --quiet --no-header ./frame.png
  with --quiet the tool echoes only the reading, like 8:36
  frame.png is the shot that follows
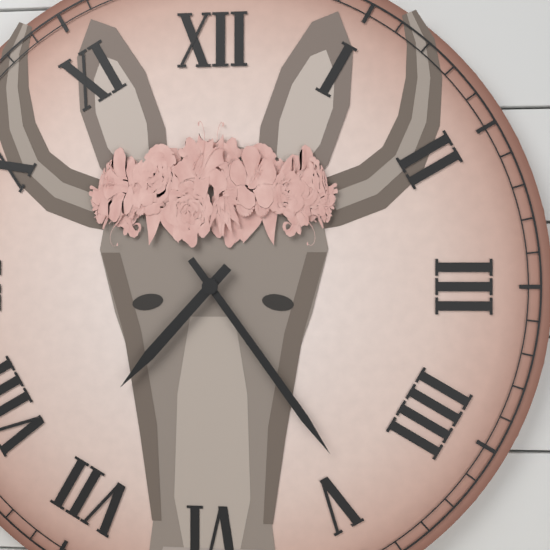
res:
7:24
